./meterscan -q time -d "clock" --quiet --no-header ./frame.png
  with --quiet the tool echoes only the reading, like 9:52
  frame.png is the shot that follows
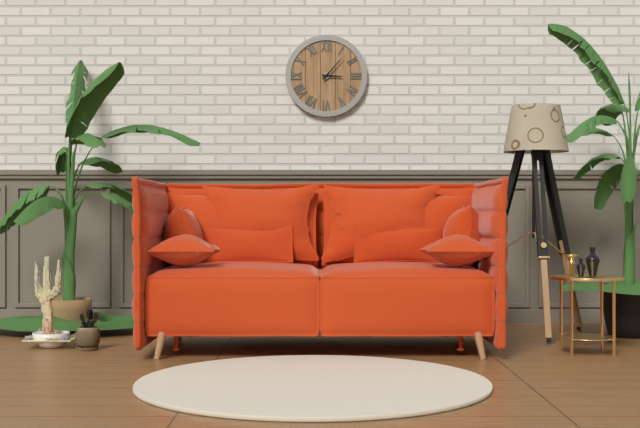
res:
3:07
